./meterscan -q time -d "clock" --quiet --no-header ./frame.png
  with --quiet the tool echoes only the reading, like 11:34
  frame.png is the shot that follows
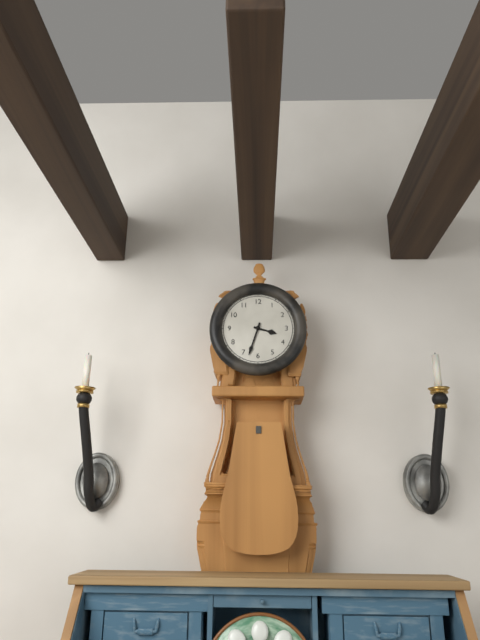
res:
3:33
